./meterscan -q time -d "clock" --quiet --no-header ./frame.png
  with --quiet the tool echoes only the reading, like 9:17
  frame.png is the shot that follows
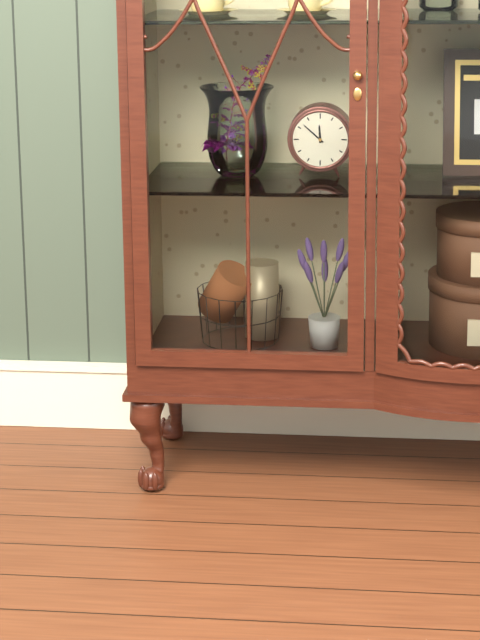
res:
11:52
